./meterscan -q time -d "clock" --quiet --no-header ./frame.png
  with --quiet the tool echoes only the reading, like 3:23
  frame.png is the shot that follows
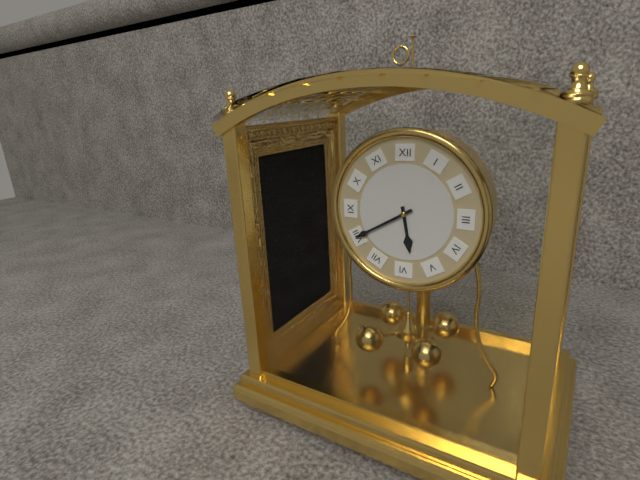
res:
5:40
